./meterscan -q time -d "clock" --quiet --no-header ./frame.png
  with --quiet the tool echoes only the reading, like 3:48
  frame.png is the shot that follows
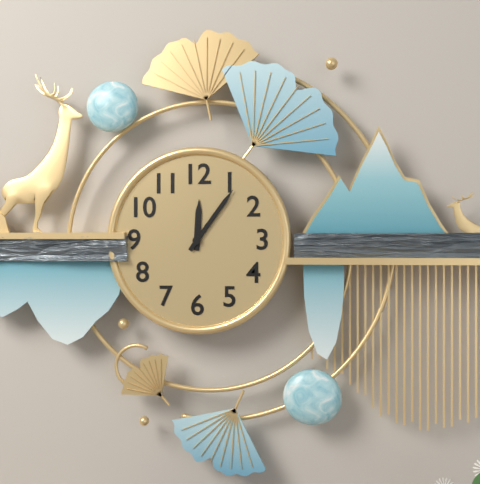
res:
12:06
